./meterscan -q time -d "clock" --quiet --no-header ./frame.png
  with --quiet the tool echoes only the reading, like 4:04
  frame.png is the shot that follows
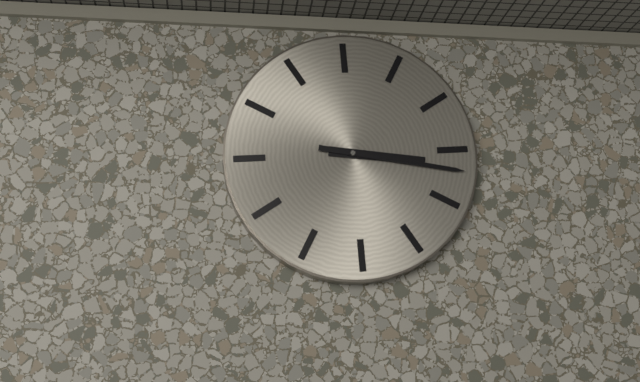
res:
3:17
